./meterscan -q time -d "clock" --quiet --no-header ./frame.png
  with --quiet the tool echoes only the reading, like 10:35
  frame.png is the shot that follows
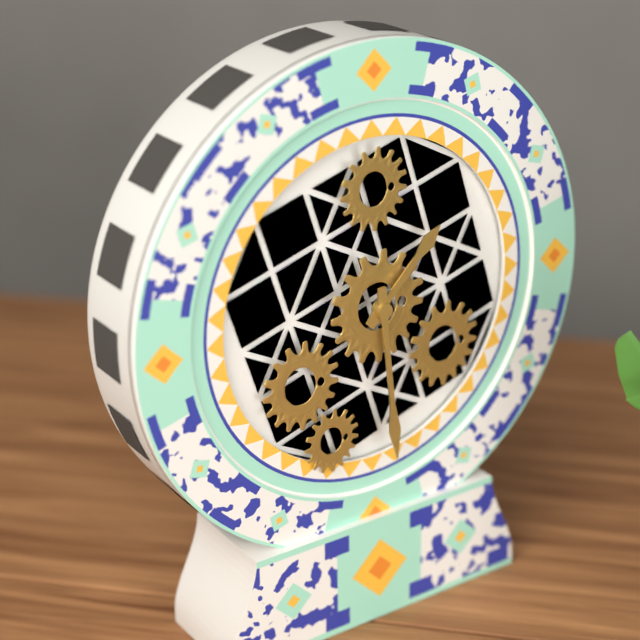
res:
1:29
